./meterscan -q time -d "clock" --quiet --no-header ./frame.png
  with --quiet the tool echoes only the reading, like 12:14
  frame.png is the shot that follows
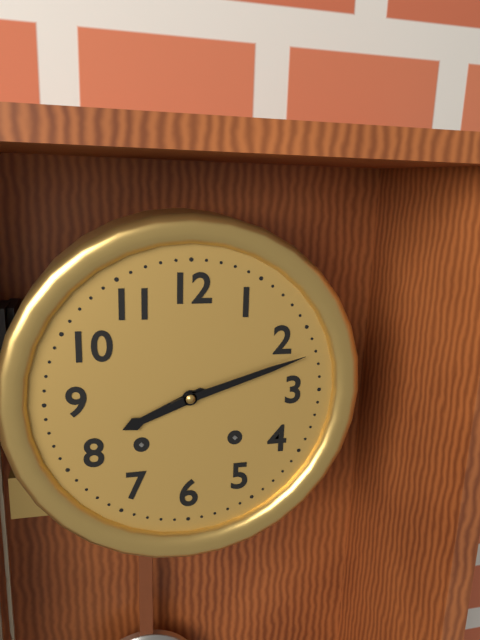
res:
8:12
